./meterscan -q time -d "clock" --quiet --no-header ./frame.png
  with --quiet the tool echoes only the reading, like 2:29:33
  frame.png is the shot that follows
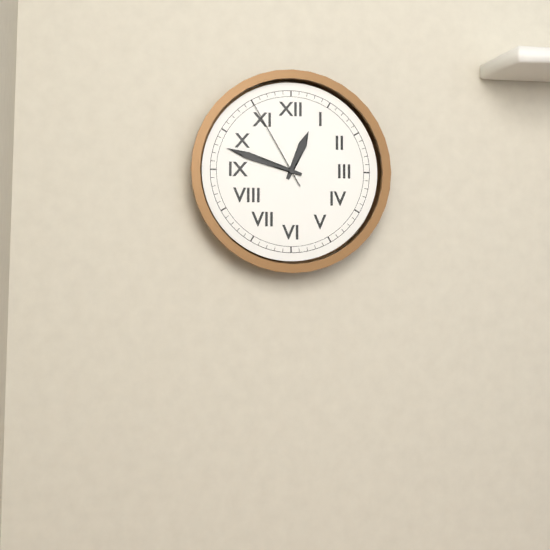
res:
12:48:55
